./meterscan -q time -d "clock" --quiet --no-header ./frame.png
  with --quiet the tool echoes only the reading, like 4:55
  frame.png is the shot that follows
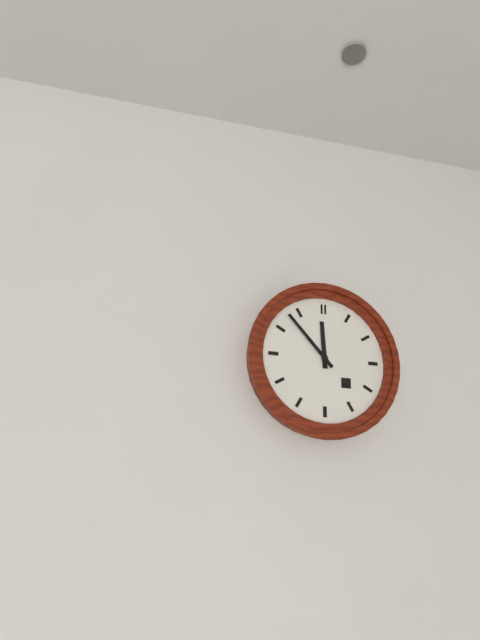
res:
11:53
